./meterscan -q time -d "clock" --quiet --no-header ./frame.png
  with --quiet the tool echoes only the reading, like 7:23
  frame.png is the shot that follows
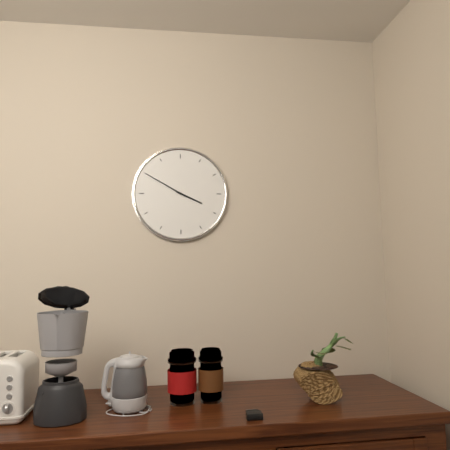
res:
3:50
